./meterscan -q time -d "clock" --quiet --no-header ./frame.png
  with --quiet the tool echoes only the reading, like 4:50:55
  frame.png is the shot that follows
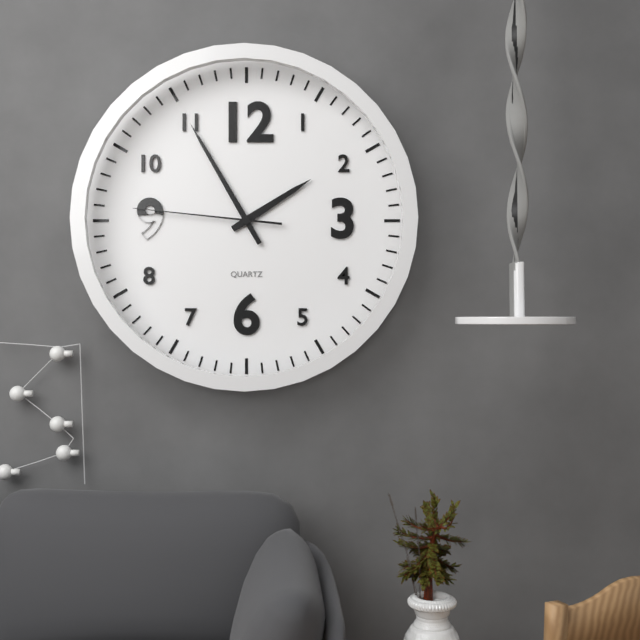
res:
1:55:46
